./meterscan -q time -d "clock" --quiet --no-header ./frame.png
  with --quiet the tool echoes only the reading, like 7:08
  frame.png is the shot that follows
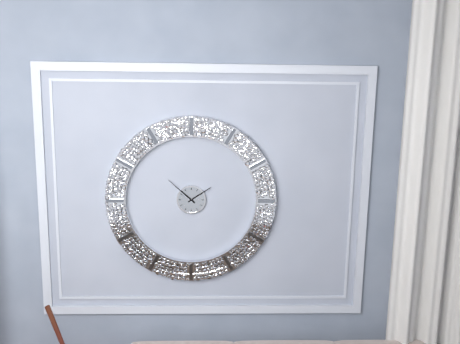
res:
1:52
